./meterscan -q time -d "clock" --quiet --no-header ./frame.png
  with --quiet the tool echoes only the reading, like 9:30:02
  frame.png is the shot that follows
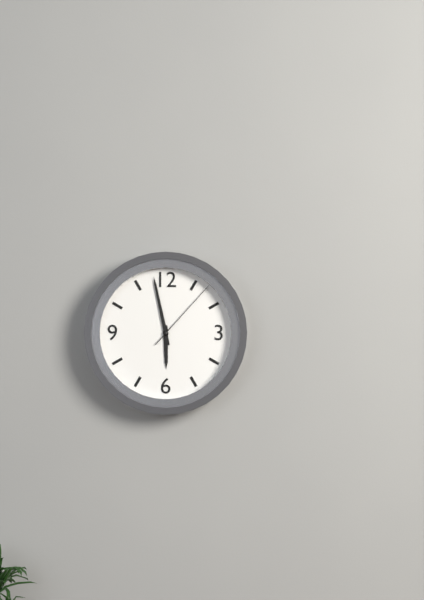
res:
5:58:07
